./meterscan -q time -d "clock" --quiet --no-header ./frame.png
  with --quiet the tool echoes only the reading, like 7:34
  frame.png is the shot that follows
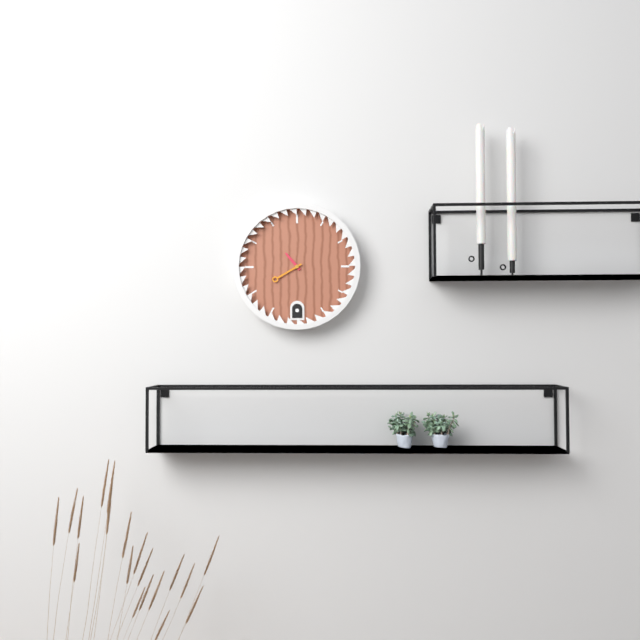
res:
10:40
